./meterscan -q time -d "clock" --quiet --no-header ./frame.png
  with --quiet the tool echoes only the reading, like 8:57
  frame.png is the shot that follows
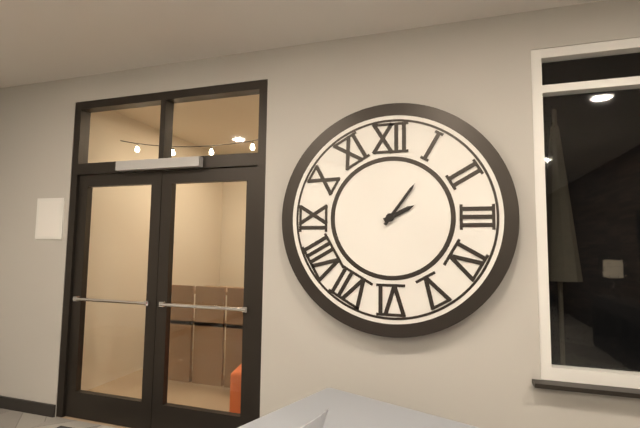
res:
2:06
